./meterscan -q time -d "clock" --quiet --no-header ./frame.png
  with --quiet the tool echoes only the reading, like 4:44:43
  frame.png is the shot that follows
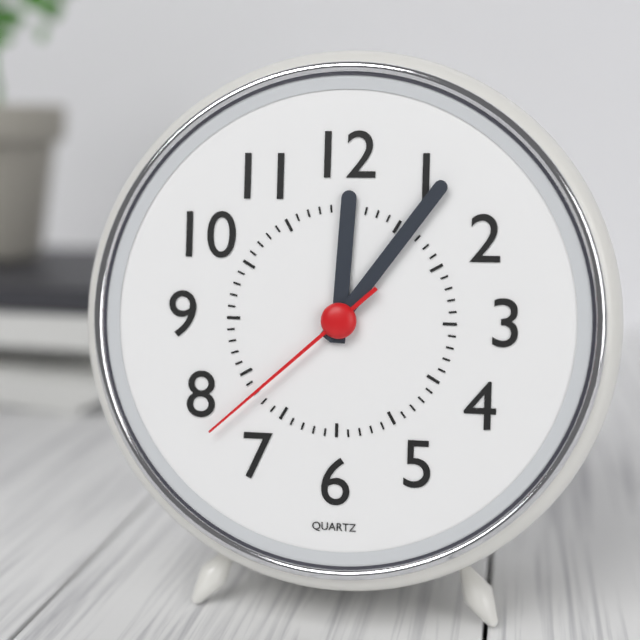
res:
12:06:38
